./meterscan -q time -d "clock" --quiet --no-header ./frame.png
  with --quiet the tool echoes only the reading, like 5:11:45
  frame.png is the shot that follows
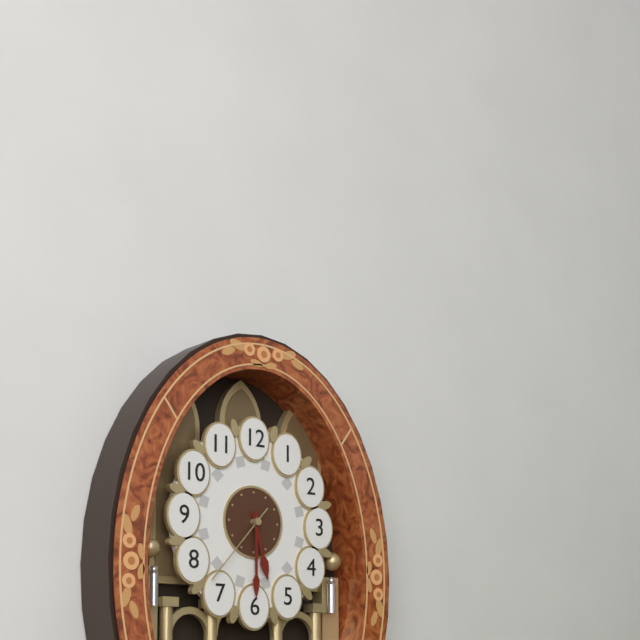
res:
5:30:37
